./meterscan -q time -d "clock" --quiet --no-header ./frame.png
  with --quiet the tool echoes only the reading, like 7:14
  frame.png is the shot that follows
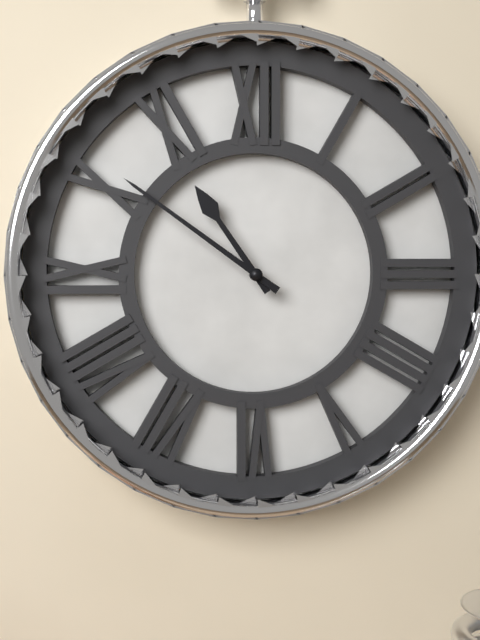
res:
10:51
